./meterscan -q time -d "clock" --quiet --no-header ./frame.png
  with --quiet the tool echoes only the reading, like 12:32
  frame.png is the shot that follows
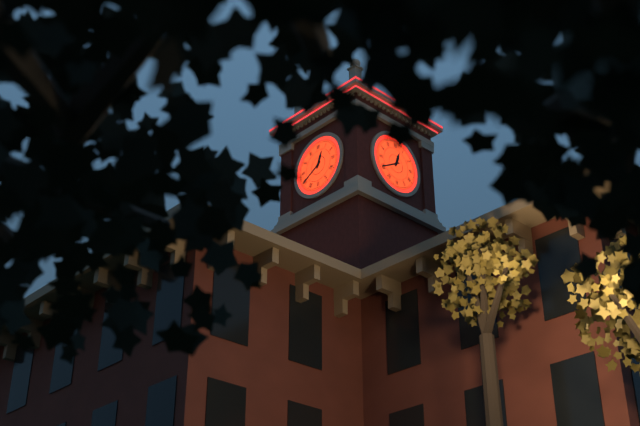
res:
12:40
